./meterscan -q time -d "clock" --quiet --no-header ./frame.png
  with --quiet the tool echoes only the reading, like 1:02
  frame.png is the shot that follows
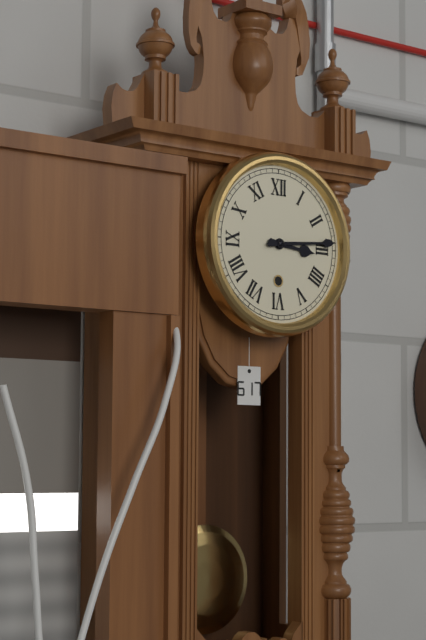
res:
3:14
